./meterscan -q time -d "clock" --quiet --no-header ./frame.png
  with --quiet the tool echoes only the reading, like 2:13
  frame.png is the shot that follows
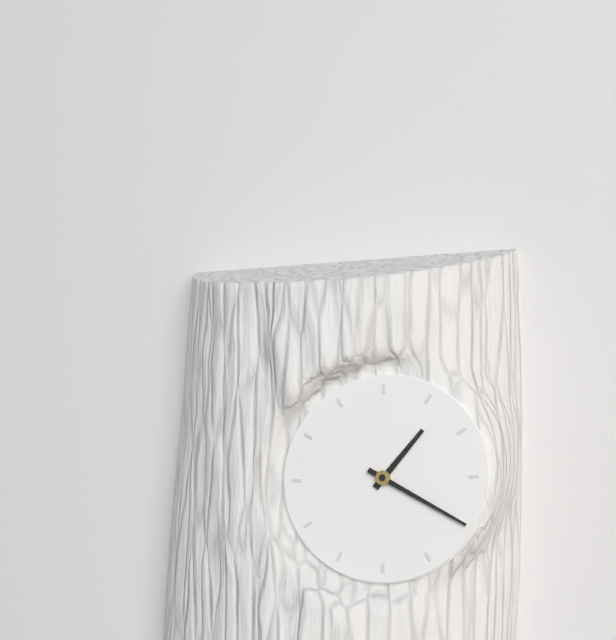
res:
1:20
